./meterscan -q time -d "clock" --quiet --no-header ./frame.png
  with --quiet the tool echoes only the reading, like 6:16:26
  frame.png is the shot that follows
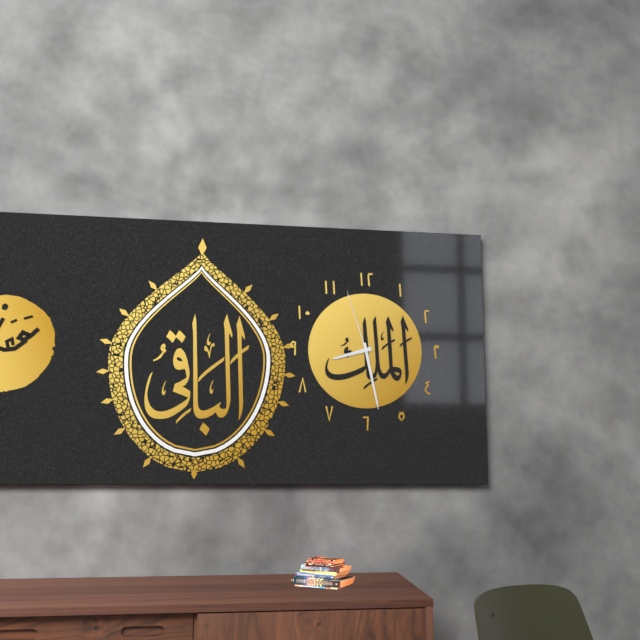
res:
8:28:57
